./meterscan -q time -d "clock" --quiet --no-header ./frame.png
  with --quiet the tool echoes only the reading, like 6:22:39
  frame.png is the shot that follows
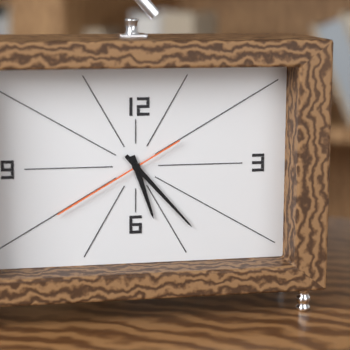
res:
5:23:40
